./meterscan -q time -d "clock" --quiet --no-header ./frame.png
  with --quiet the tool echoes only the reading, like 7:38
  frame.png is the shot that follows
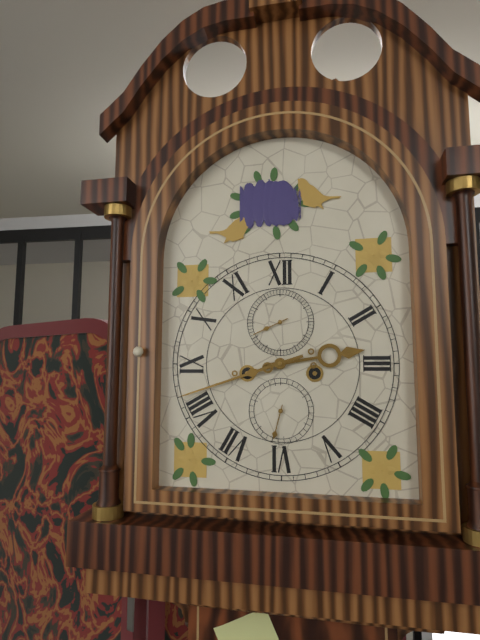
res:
2:42
